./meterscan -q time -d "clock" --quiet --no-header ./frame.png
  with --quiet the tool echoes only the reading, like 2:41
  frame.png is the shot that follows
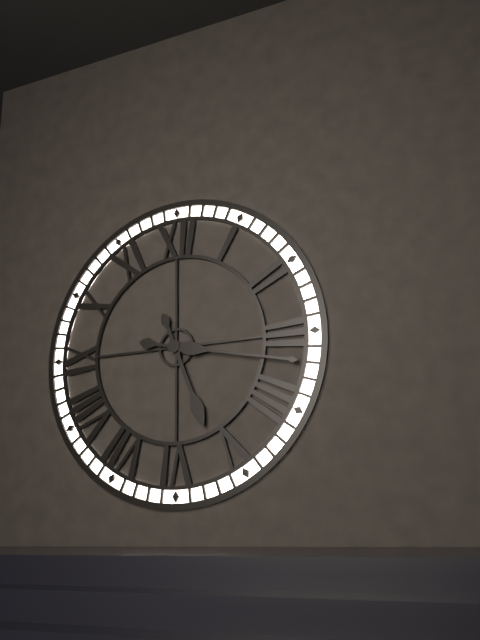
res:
5:17
